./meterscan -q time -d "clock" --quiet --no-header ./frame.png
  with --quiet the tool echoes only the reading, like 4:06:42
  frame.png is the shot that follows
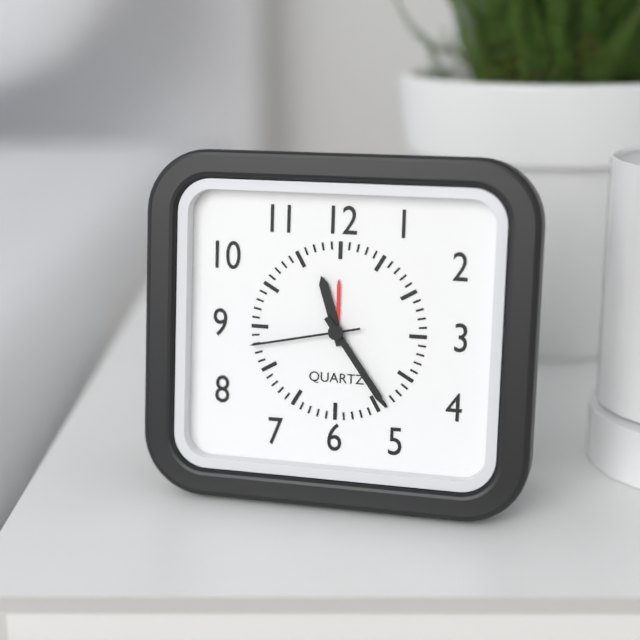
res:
11:24:43
